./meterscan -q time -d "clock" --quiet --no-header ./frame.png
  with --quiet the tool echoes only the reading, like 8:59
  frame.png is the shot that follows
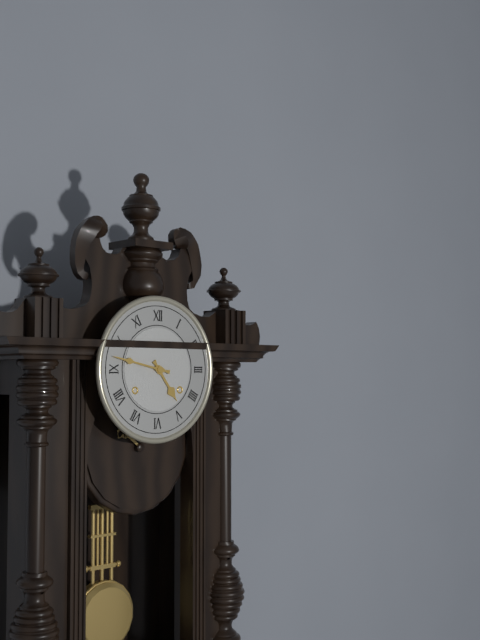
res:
4:47
